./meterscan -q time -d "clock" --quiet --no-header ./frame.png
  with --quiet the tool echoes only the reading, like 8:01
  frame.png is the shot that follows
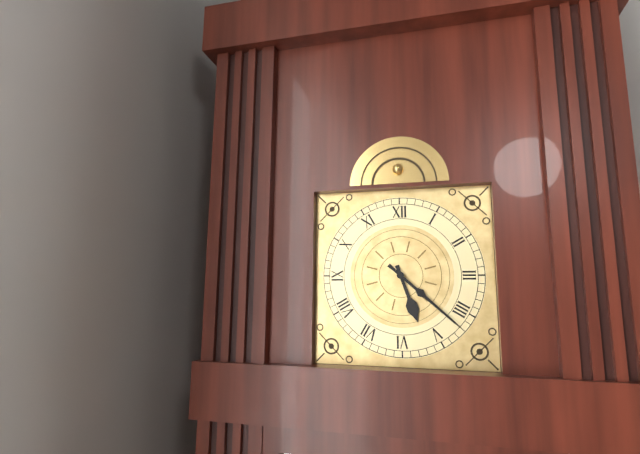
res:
5:22
